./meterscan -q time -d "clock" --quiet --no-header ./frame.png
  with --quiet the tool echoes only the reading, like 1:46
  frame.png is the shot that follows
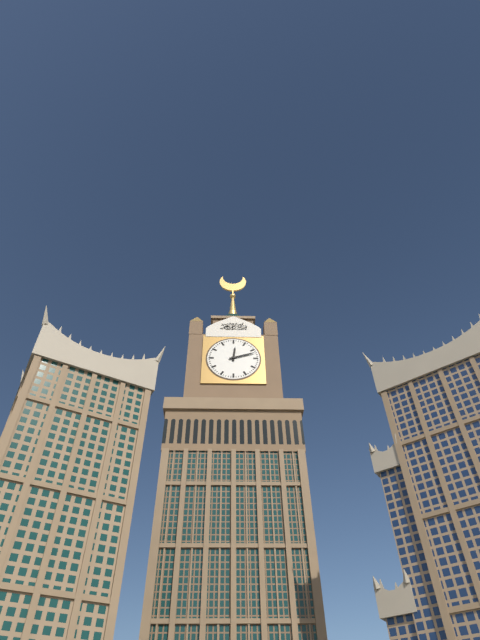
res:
12:12
